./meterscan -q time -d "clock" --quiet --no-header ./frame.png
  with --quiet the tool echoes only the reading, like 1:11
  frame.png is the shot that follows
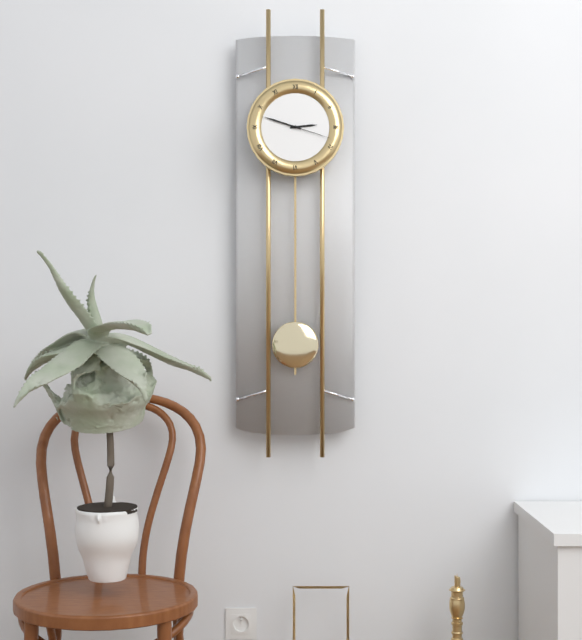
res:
2:48
